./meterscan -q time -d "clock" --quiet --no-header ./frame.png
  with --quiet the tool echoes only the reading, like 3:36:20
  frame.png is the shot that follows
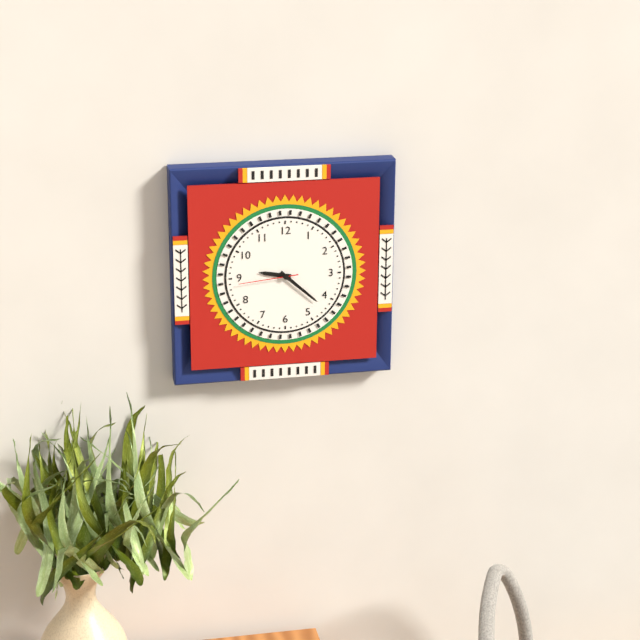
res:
9:22:44
